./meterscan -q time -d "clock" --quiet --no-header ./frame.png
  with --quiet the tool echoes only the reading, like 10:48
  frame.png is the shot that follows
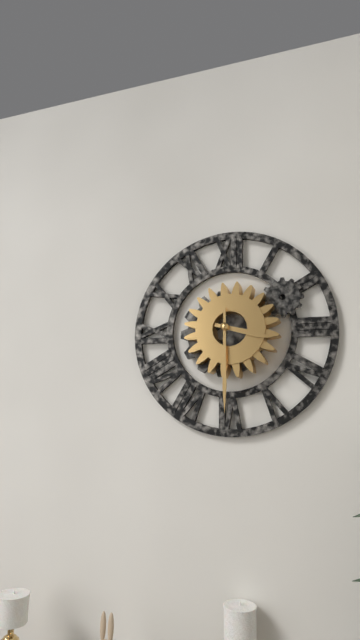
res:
3:30
